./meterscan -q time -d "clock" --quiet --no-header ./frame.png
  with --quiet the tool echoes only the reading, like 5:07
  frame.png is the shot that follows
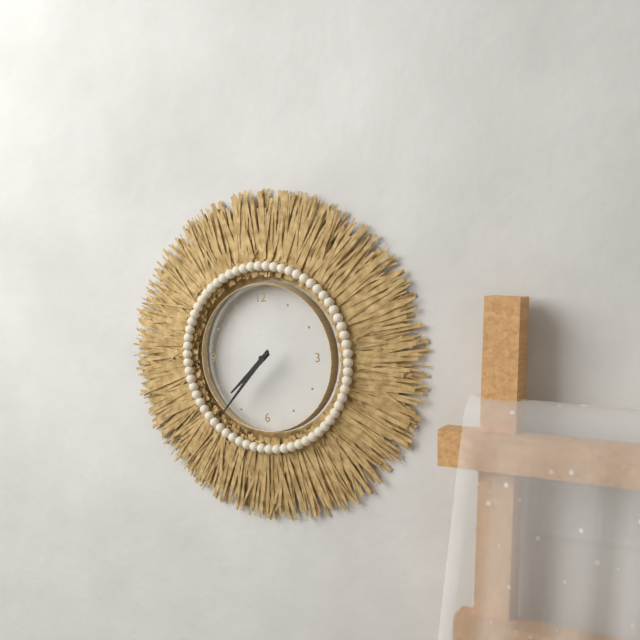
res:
7:37
